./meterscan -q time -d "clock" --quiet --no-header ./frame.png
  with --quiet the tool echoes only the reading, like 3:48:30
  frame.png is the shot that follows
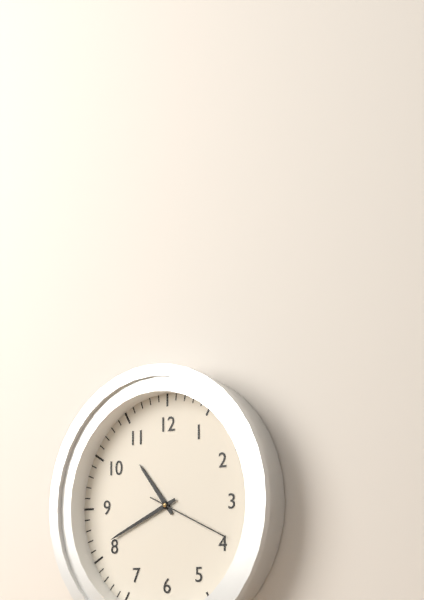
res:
10:41:19
